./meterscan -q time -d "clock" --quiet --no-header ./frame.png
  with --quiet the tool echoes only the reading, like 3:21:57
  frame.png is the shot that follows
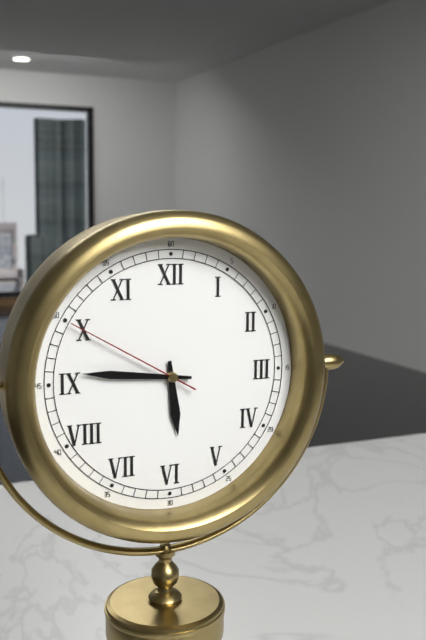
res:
5:46:50
